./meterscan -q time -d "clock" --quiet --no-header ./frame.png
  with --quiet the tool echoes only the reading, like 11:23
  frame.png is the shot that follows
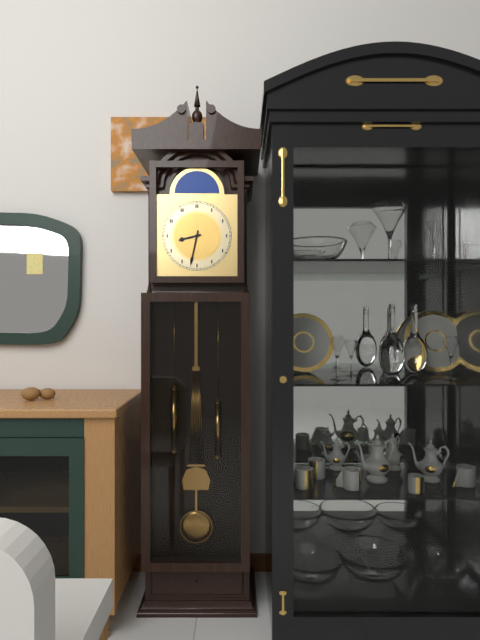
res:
8:32
